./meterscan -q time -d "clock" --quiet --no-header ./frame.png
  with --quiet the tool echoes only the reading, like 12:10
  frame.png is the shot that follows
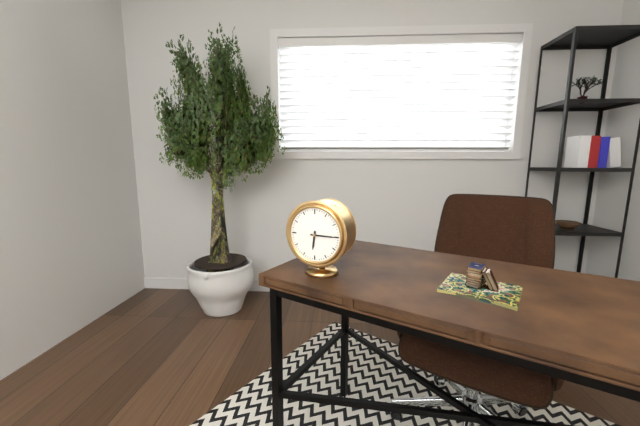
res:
6:15
